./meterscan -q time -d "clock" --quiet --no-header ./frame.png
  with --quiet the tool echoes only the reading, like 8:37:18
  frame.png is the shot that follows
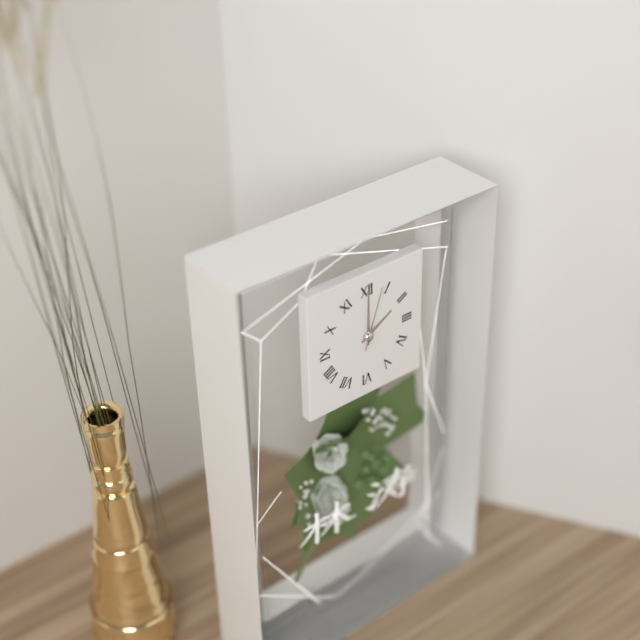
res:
2:00:03
